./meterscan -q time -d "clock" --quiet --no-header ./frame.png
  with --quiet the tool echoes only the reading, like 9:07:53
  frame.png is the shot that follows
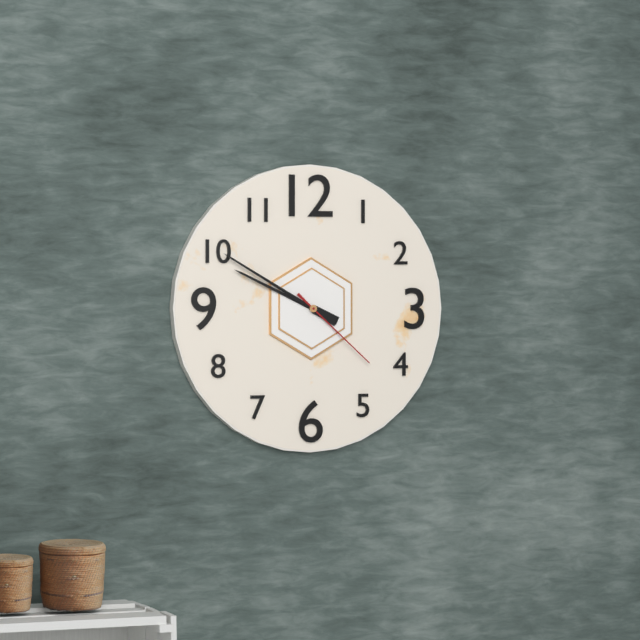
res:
9:50:22
